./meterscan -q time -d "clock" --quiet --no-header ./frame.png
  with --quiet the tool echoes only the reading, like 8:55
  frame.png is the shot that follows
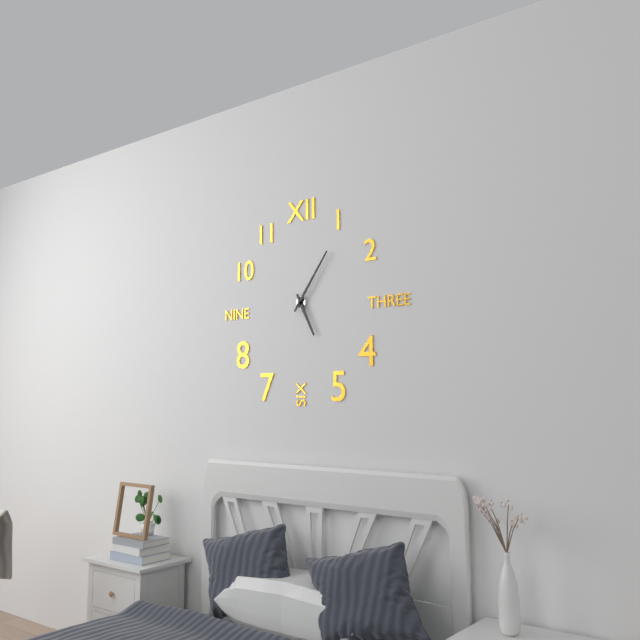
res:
5:06
